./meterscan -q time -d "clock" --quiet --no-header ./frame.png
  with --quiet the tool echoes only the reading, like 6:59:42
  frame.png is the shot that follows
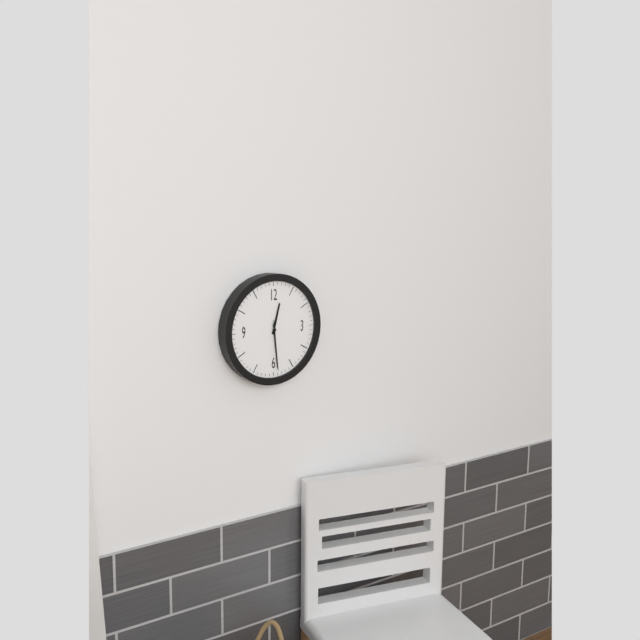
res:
12:29:29
